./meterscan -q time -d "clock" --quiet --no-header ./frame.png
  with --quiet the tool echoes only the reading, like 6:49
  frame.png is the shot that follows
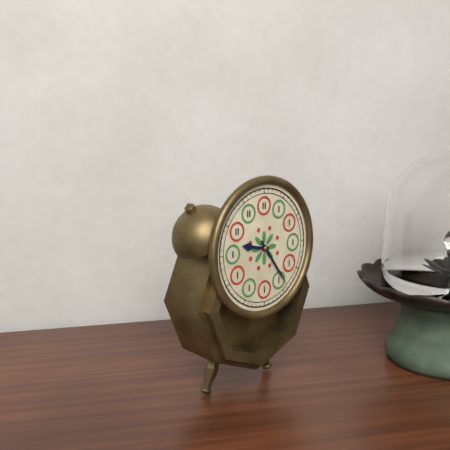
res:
9:24
